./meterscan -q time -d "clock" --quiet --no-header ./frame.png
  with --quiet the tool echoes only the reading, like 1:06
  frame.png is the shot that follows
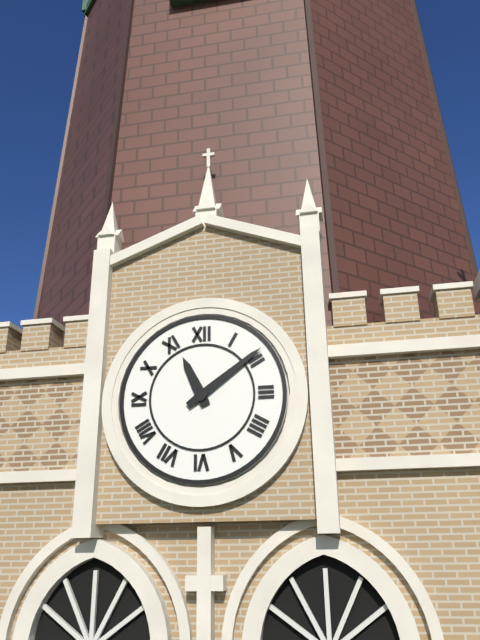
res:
11:09
